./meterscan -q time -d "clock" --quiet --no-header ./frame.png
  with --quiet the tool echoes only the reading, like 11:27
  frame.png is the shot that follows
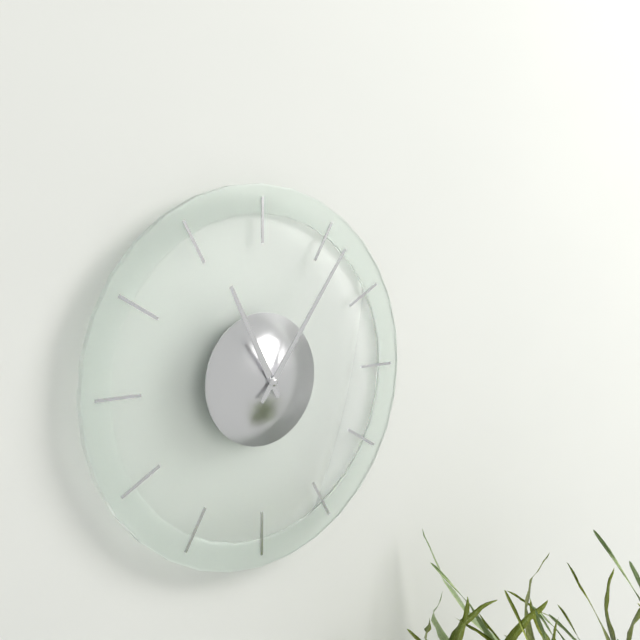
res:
11:06
